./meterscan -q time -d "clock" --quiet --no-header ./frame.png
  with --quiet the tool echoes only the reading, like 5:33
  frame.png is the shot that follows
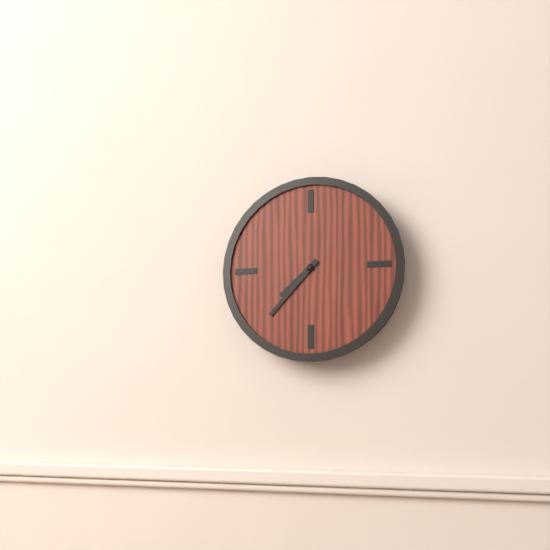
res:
7:37
